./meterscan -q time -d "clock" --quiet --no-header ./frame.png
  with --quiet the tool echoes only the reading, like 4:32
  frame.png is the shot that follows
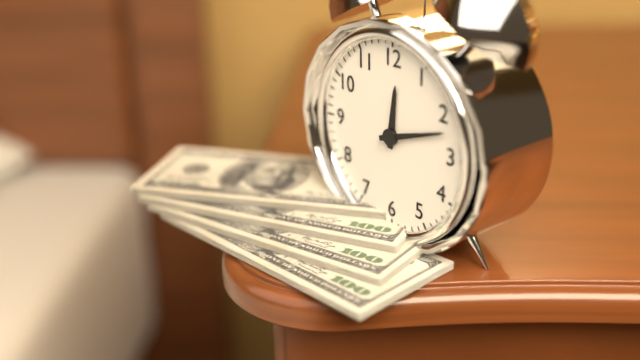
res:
12:12
